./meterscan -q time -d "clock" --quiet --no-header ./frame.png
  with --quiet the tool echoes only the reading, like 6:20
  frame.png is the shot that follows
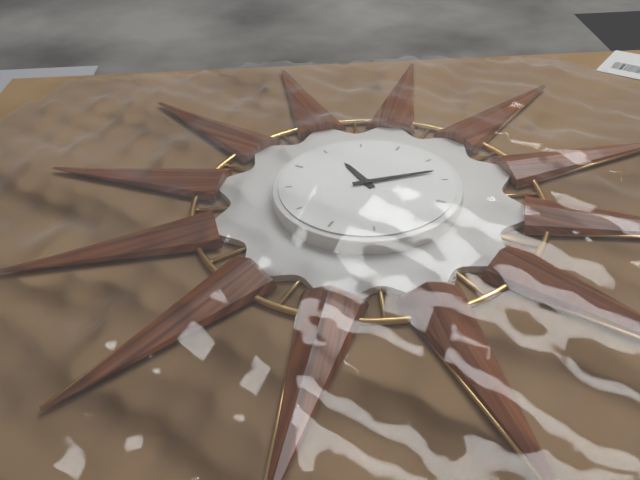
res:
10:08
